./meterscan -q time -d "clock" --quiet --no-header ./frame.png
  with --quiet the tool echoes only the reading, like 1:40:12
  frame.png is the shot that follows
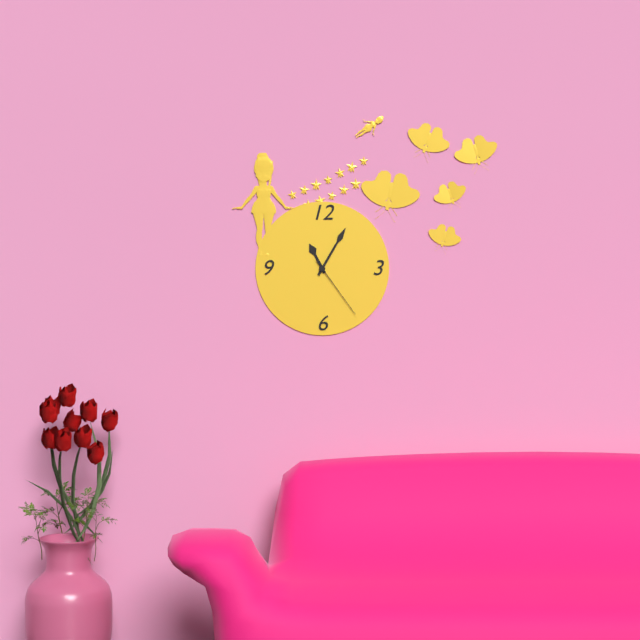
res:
11:05:24
